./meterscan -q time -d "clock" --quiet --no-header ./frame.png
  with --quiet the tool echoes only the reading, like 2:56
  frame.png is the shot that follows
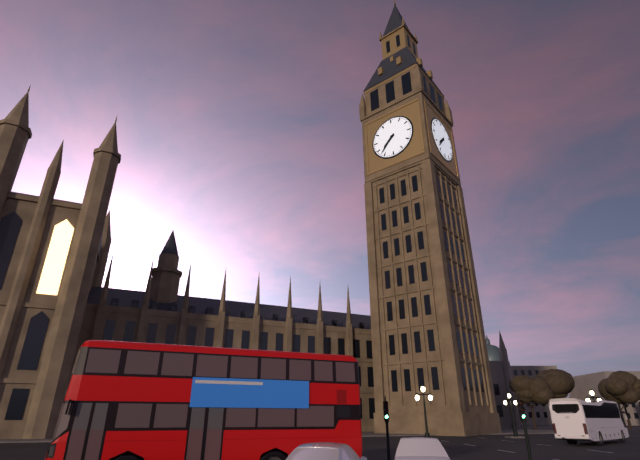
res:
7:37
